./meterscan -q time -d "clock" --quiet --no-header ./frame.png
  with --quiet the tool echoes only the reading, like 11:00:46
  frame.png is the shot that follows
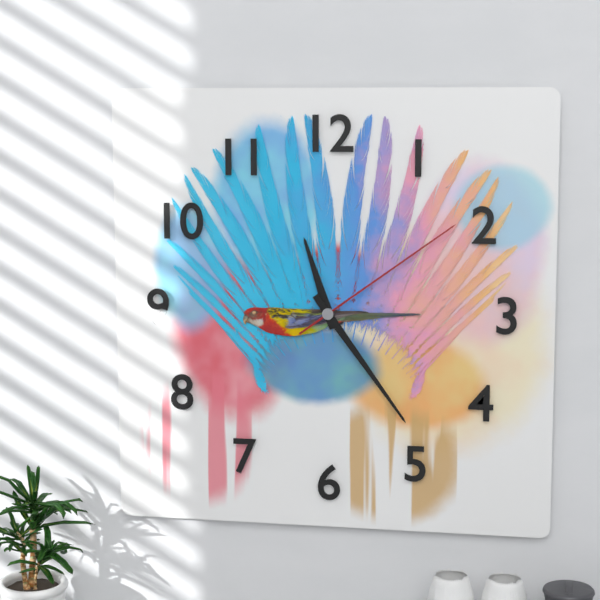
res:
11:24:09
